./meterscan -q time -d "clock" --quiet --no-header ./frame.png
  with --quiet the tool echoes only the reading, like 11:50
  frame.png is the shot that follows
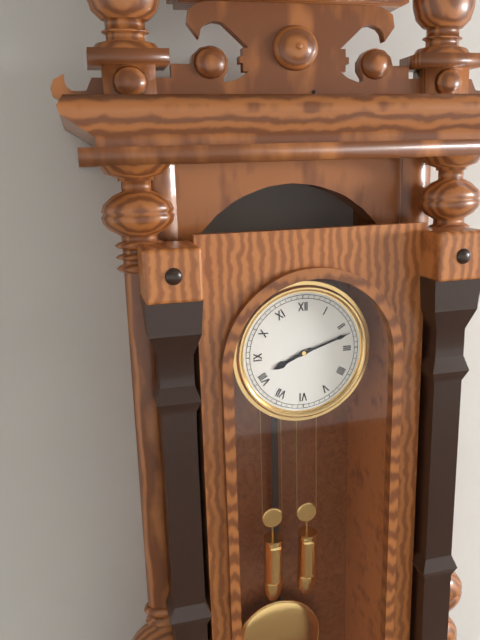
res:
8:12
